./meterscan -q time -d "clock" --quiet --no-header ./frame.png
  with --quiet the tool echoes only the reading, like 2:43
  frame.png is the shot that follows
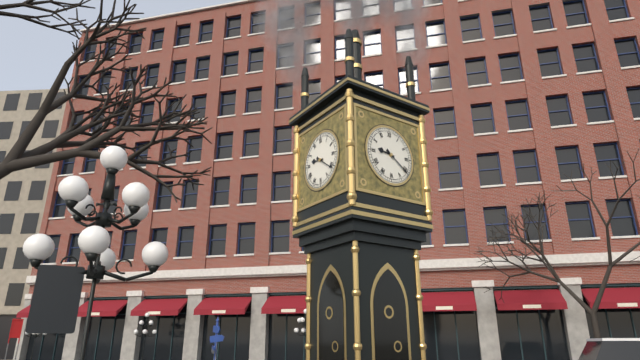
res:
9:21
